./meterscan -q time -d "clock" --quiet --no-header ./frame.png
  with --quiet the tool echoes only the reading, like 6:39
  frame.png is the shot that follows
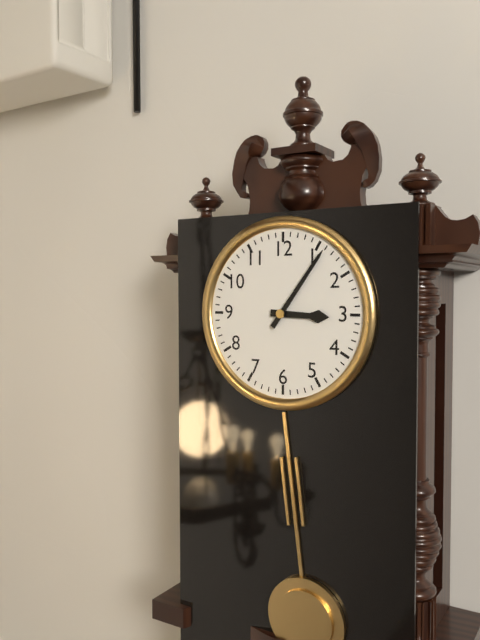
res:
3:06
